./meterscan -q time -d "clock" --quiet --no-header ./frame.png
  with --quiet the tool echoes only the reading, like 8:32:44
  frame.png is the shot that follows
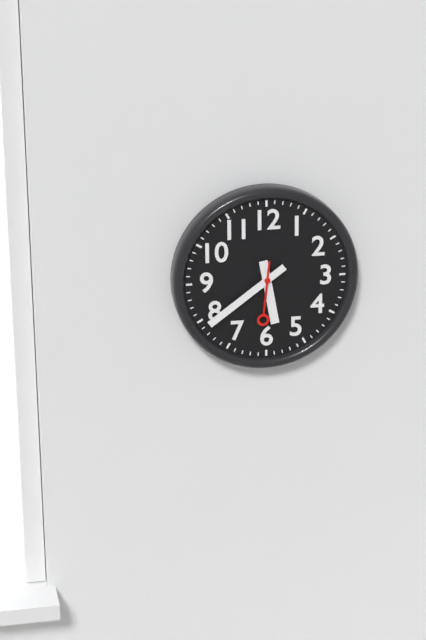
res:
5:39:31
